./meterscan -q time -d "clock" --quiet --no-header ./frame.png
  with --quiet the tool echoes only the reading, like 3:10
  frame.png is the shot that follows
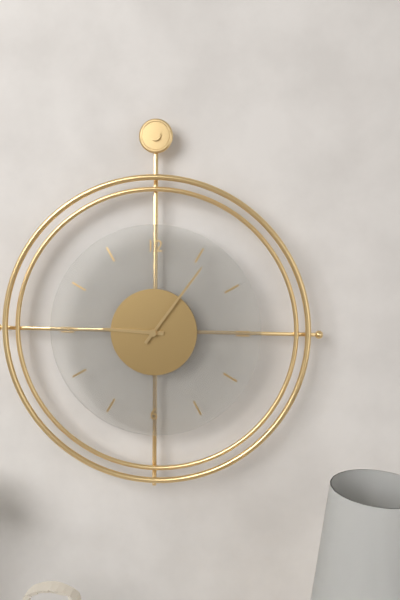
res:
9:06
